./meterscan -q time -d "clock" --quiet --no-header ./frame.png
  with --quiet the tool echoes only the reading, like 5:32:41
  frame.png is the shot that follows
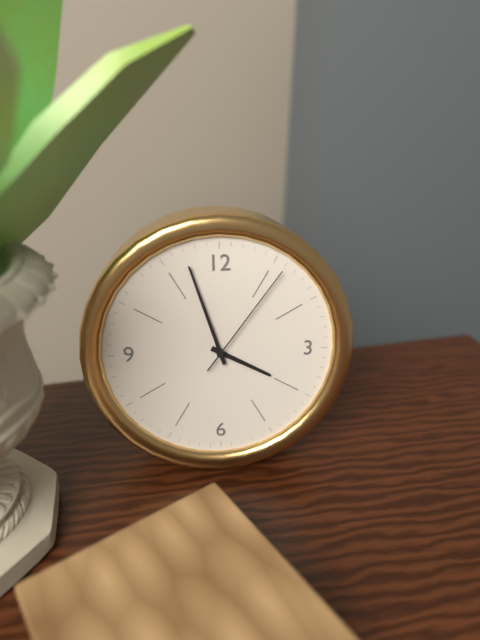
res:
3:57:06
